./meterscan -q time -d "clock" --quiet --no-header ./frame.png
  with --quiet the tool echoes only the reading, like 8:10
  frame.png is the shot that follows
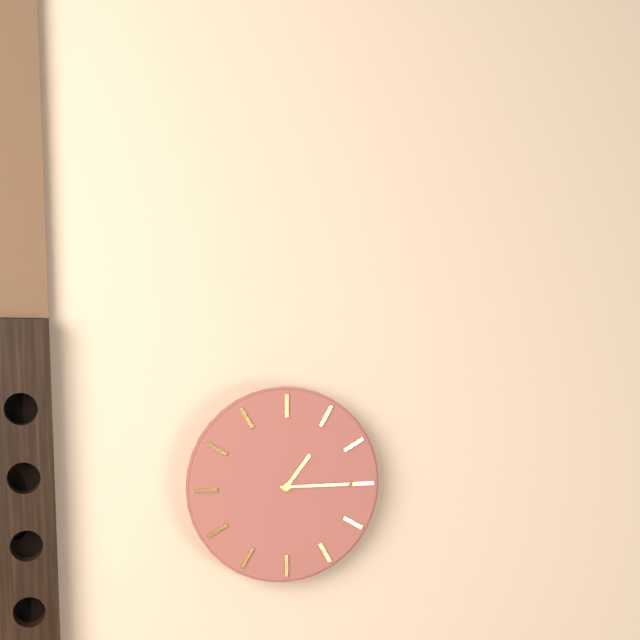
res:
1:15
